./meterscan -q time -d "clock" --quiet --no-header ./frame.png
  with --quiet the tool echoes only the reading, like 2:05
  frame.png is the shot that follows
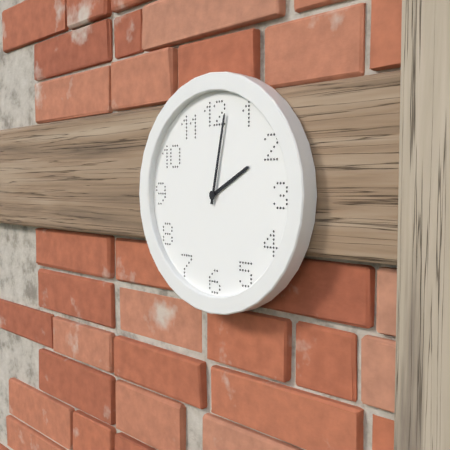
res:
2:02
